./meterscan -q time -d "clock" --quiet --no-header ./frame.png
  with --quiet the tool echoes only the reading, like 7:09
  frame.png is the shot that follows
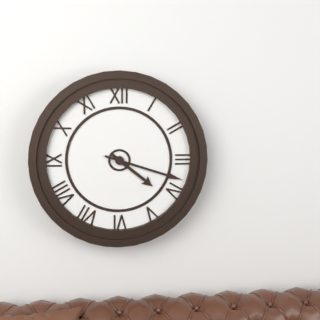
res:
4:18
